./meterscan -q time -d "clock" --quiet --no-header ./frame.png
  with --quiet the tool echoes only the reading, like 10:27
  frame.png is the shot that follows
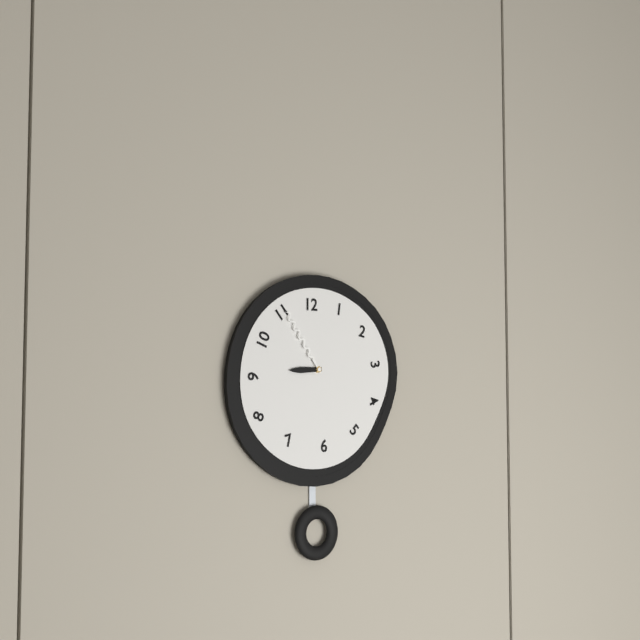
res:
8:54
